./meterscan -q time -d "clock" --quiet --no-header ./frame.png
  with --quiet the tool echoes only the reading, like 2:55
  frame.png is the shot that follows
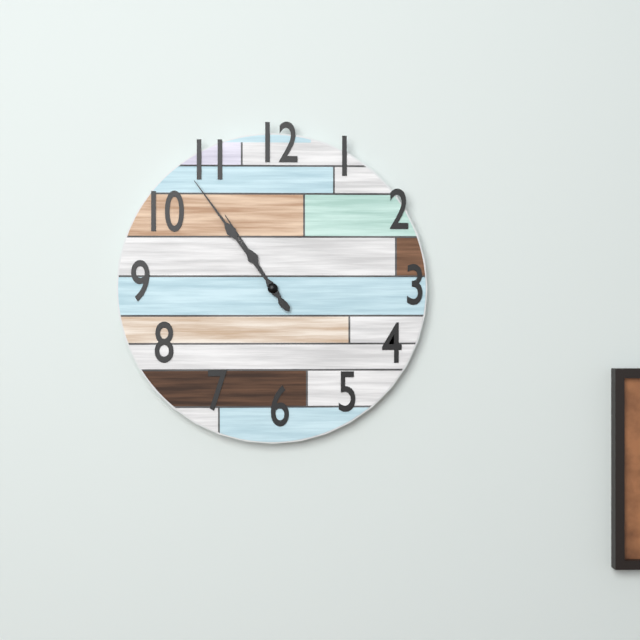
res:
10:54
